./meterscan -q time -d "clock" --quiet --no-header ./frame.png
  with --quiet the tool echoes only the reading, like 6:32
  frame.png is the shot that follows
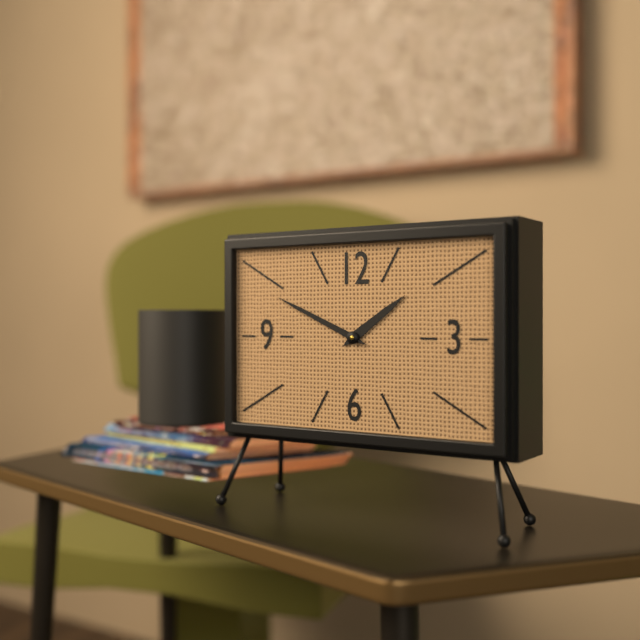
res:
1:49
